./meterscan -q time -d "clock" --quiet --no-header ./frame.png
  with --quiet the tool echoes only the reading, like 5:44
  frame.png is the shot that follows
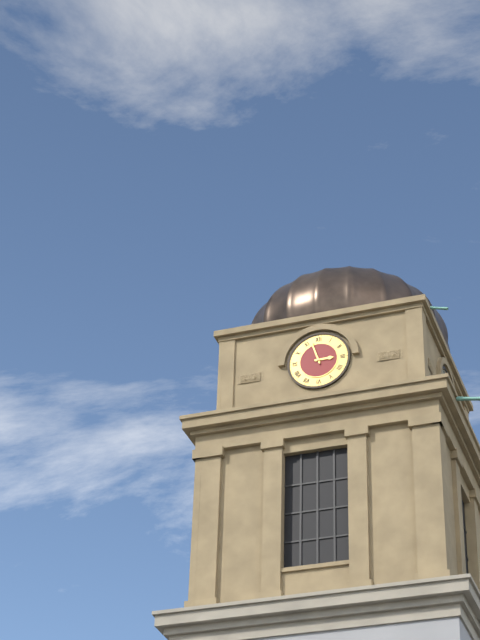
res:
2:57
